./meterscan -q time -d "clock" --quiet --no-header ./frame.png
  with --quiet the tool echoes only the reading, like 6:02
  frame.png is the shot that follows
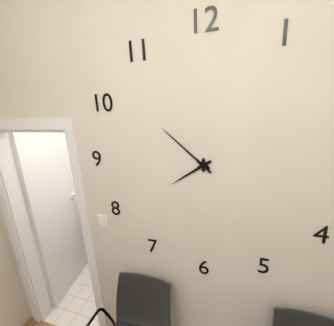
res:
7:52
